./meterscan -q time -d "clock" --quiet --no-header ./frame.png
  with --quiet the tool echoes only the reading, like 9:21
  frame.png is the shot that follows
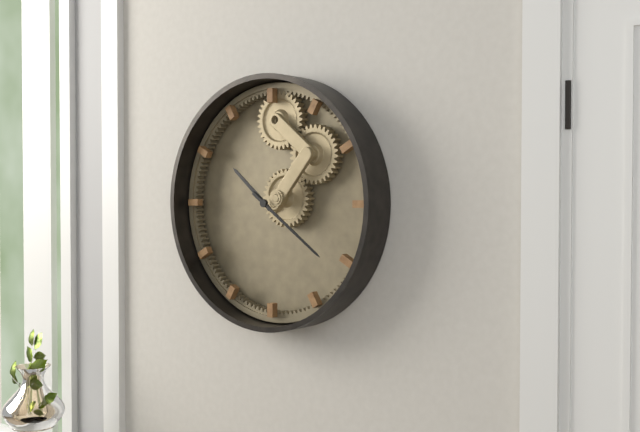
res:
10:21
